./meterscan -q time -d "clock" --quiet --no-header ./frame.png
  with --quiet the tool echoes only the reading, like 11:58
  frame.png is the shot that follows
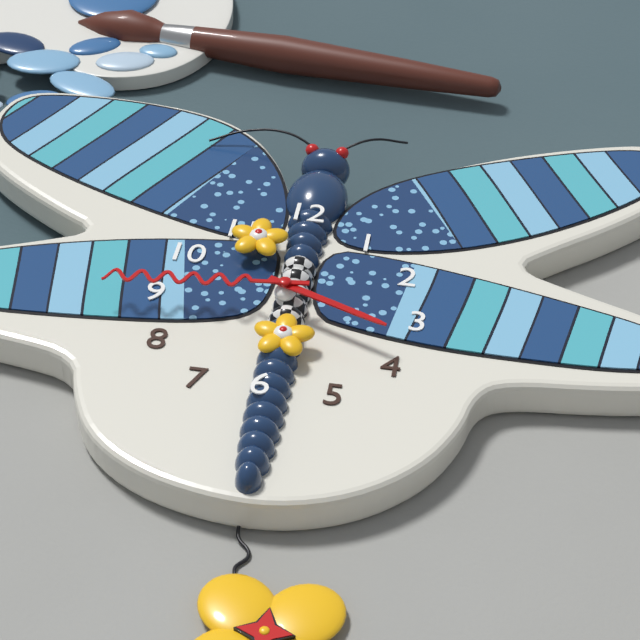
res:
3:44
